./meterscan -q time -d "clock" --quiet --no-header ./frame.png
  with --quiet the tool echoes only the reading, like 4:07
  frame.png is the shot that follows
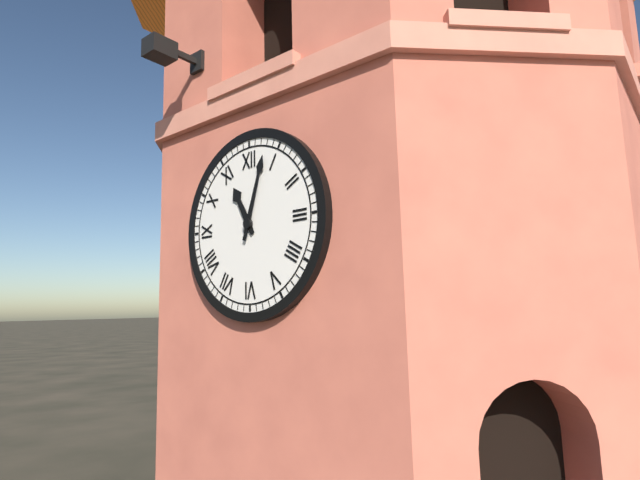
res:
11:03
